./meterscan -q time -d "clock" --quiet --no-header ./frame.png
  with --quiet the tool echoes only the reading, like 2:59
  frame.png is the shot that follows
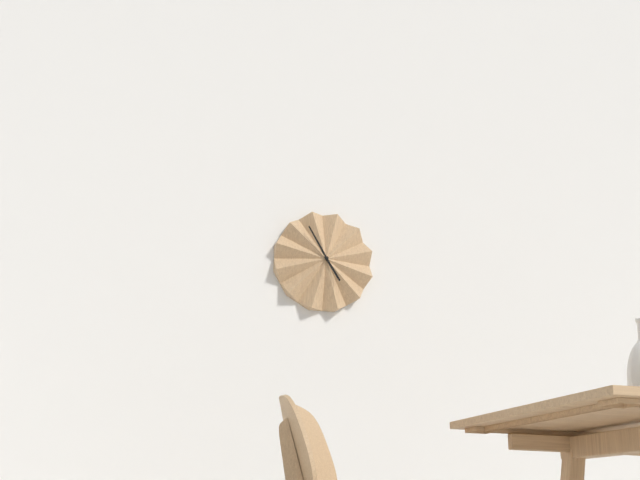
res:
4:55
